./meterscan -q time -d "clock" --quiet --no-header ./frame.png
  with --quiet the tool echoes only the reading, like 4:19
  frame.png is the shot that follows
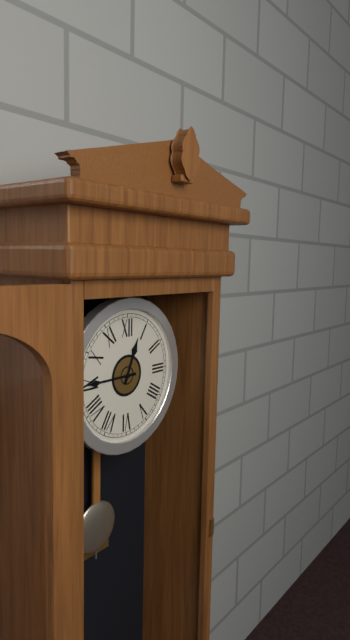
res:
12:45
